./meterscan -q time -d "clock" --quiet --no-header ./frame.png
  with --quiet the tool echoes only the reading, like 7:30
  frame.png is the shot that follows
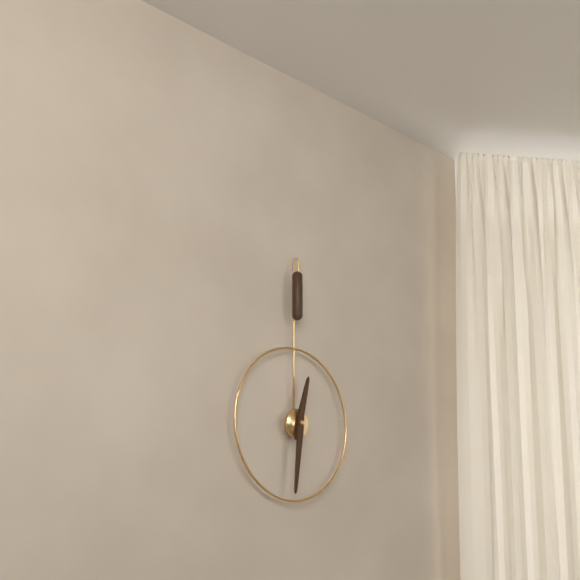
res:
12:31
